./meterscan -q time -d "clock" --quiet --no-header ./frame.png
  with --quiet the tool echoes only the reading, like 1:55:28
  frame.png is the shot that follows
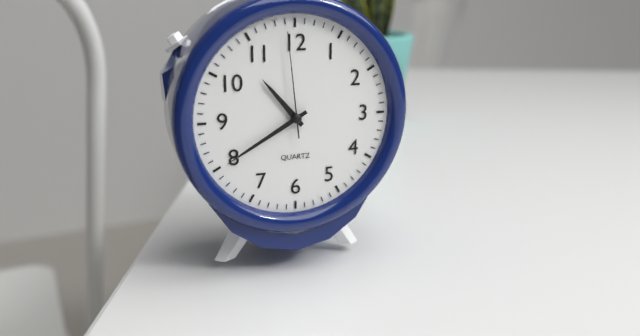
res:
10:40:59
